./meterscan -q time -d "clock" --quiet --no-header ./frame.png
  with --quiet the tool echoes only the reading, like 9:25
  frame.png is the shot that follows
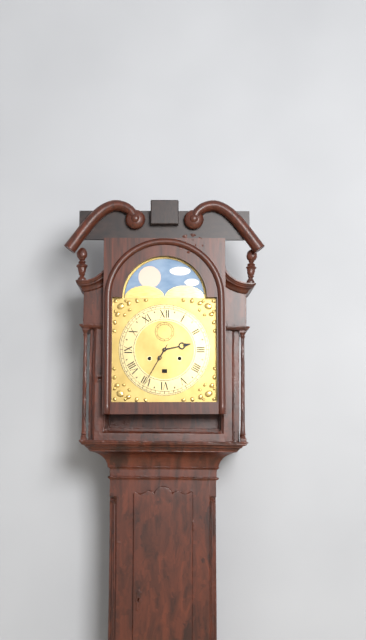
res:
2:35
